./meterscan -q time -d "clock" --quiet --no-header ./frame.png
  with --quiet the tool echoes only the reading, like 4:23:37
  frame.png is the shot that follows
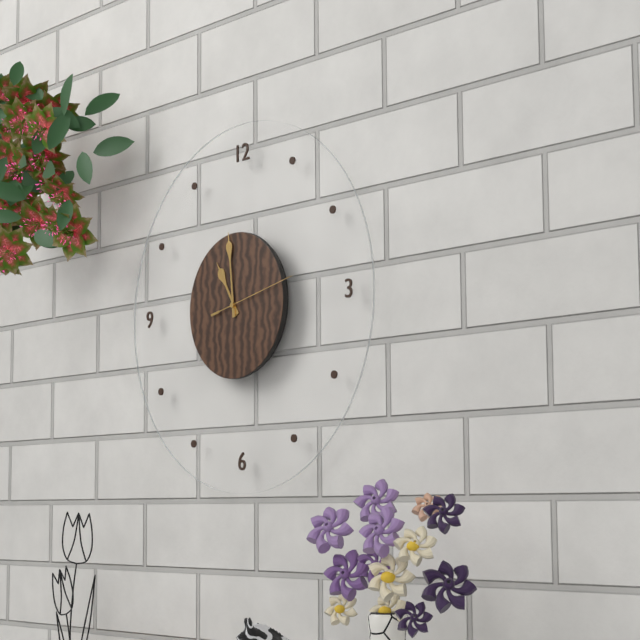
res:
10:59:13
